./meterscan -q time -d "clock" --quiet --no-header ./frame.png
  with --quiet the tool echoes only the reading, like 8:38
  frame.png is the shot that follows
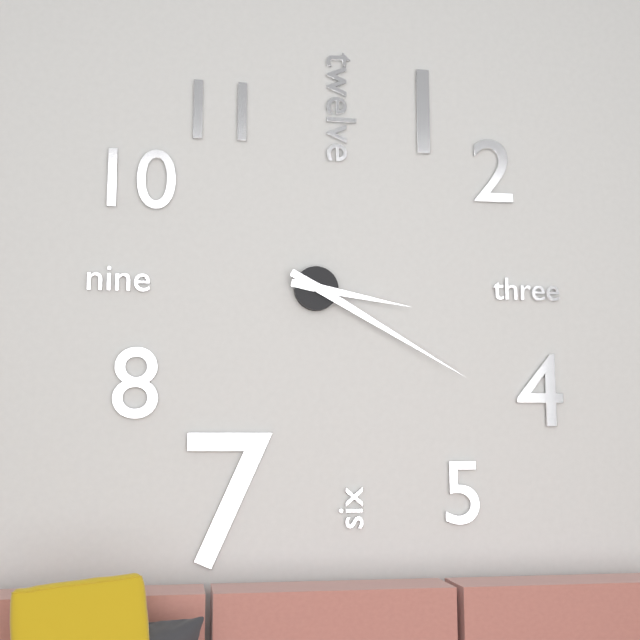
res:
3:20
